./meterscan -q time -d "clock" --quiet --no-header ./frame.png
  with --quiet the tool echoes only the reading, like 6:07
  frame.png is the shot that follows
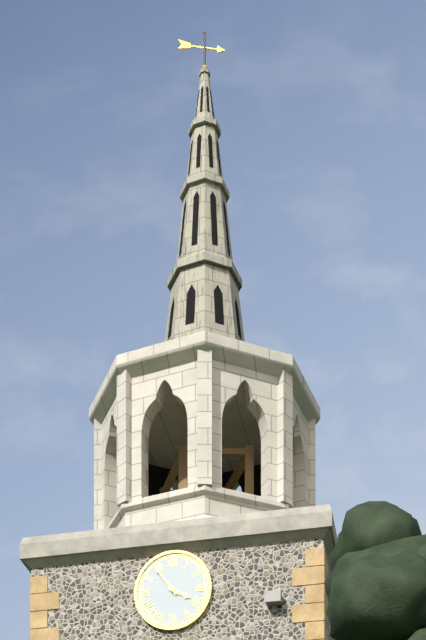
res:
3:54
